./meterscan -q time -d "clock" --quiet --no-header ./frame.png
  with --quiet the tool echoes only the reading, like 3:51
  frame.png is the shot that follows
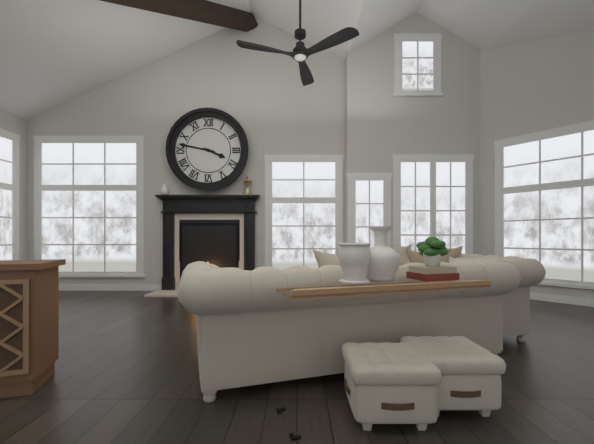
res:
3:47
